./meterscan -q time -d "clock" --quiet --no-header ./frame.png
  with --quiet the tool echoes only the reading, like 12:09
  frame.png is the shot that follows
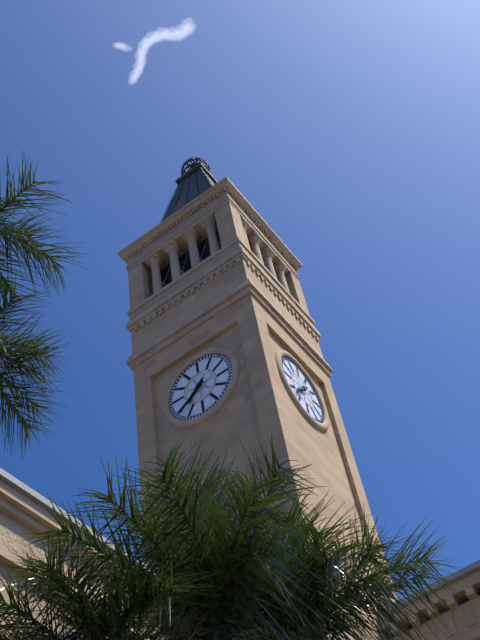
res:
7:38
